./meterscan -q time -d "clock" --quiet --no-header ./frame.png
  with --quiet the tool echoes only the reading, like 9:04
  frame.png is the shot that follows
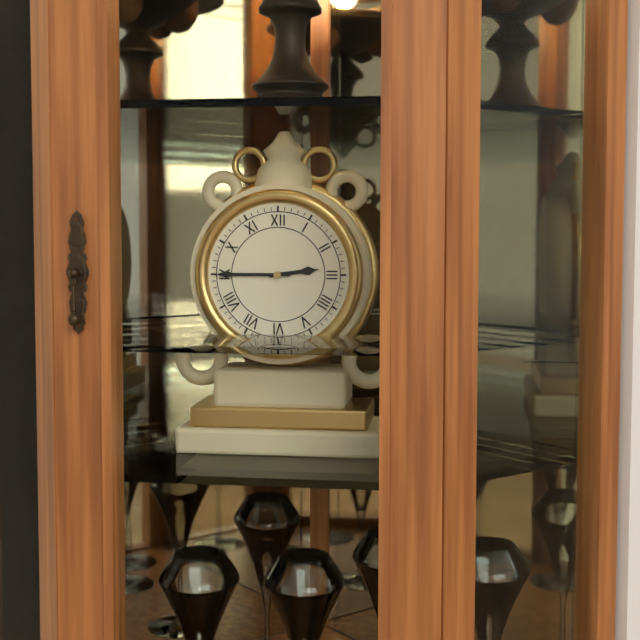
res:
2:45
